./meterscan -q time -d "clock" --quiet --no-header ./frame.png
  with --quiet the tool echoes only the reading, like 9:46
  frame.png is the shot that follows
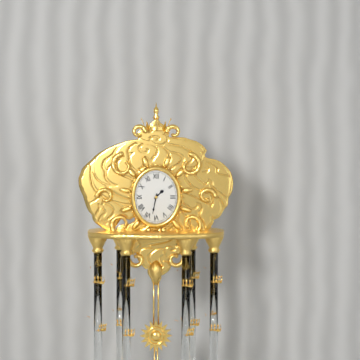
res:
1:32
